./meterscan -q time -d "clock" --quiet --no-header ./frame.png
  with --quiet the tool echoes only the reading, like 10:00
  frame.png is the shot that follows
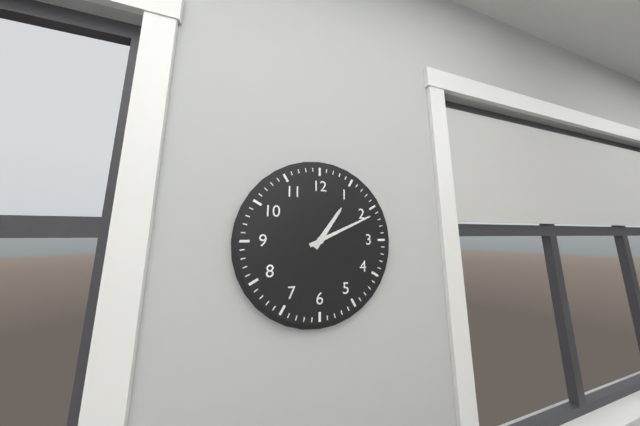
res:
1:11
